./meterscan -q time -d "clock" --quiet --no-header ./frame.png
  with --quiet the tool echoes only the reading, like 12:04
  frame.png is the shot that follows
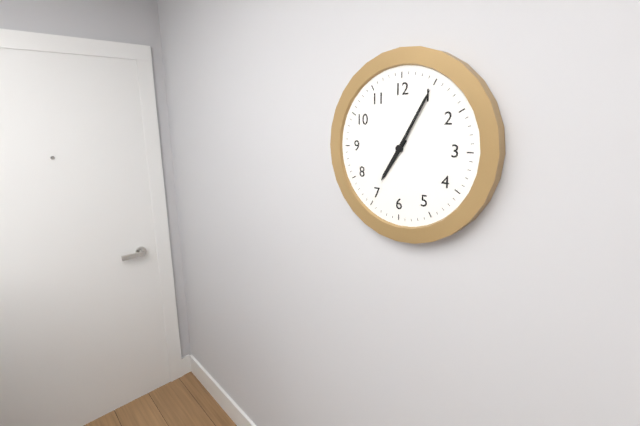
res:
7:05
